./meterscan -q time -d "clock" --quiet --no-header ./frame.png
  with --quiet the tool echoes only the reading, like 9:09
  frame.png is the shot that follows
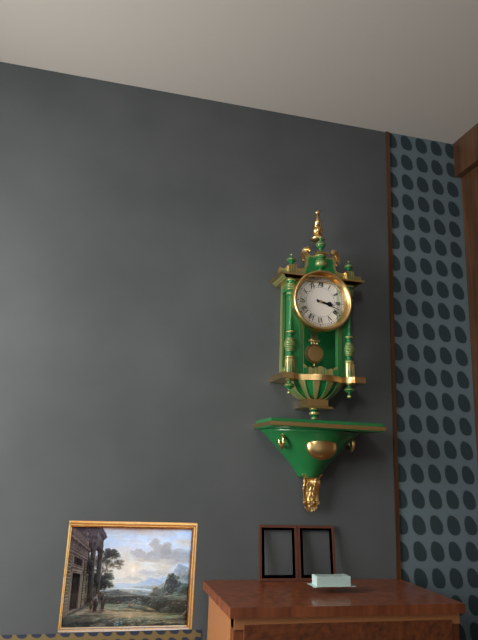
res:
3:18
